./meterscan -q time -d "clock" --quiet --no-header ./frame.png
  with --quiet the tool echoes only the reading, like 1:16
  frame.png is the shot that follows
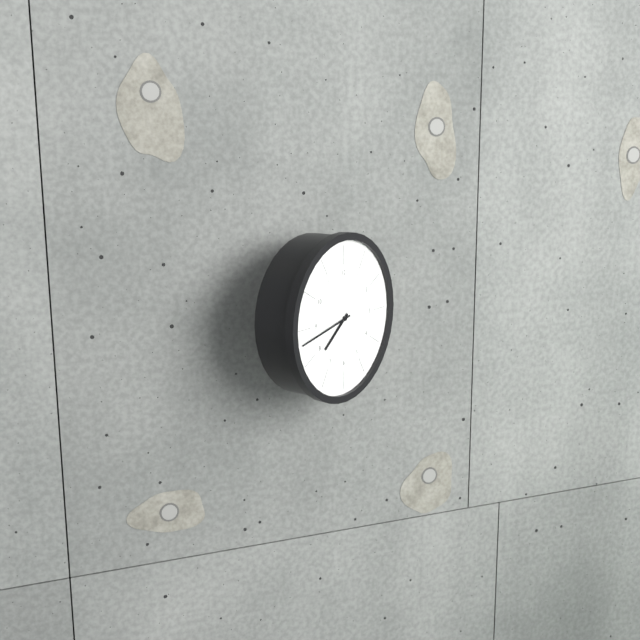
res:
7:43
